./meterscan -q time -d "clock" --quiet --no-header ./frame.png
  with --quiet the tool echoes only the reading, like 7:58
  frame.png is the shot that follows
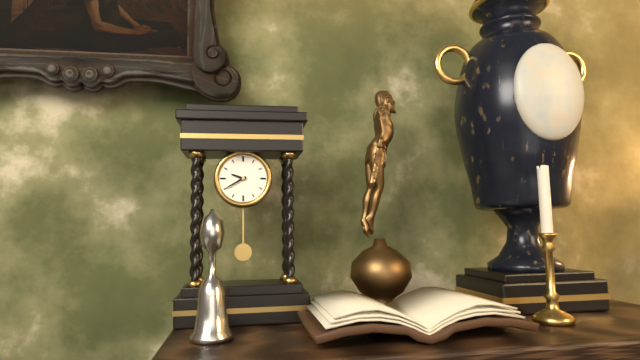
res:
9:40
